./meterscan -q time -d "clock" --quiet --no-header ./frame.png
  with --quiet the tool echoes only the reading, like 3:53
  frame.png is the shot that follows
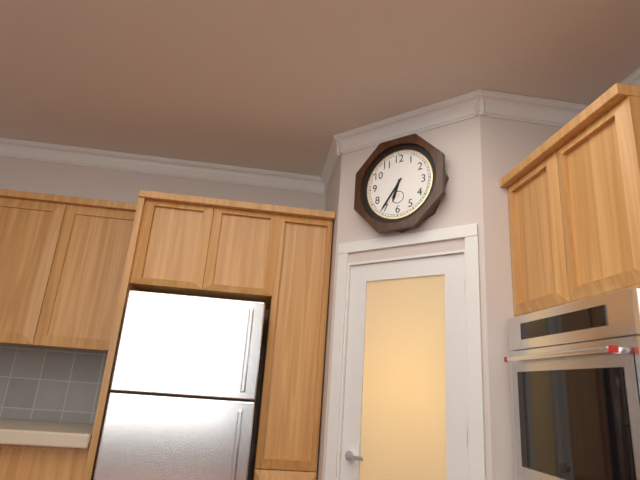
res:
6:36
